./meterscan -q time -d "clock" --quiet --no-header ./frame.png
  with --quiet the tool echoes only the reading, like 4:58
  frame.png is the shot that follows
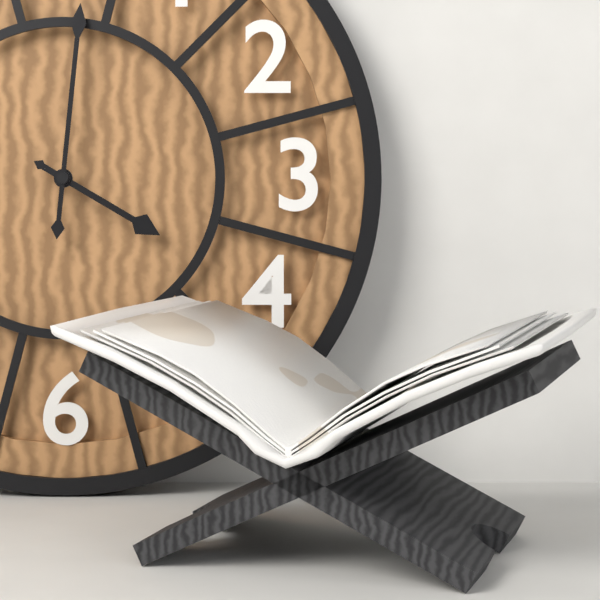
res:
4:01
